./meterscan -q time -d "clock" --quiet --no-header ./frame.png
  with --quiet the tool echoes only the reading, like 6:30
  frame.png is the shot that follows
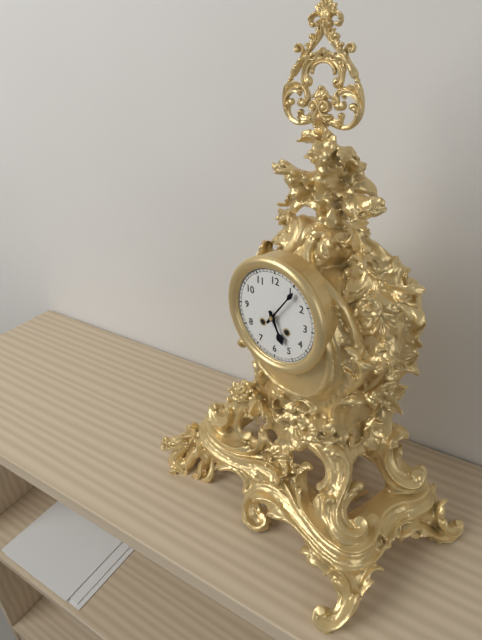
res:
5:06
